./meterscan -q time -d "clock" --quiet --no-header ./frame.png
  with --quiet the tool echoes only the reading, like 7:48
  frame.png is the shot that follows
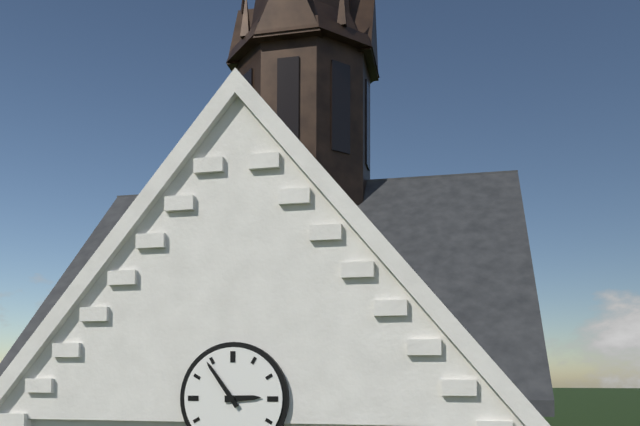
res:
2:54
